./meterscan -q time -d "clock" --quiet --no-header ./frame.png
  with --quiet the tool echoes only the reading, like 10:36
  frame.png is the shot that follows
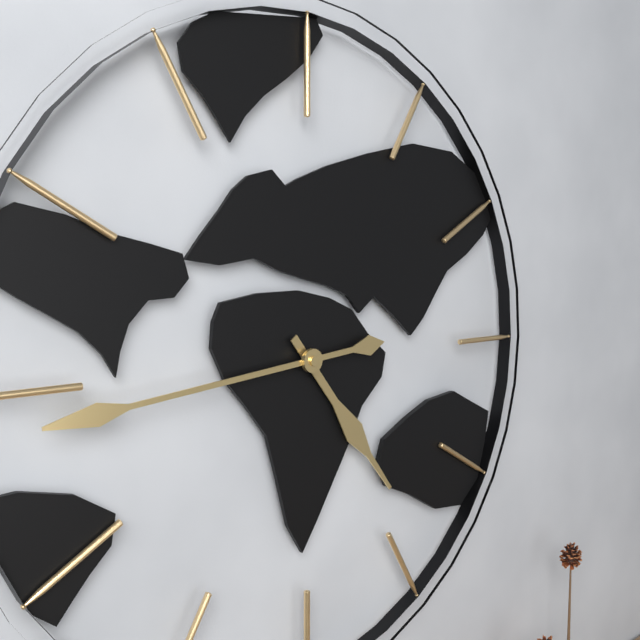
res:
4:44
